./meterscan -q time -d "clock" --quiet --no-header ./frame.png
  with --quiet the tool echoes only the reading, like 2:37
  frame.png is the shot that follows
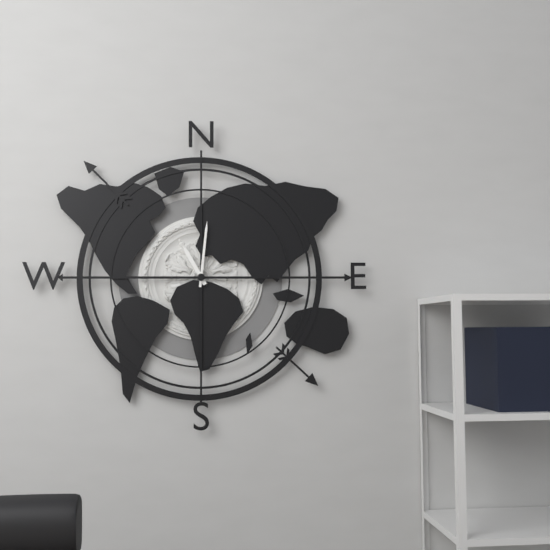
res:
11:01
